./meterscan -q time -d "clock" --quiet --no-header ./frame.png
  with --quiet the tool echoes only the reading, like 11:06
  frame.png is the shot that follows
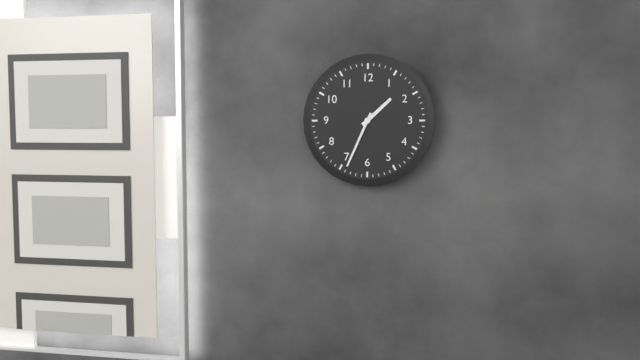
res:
1:34
